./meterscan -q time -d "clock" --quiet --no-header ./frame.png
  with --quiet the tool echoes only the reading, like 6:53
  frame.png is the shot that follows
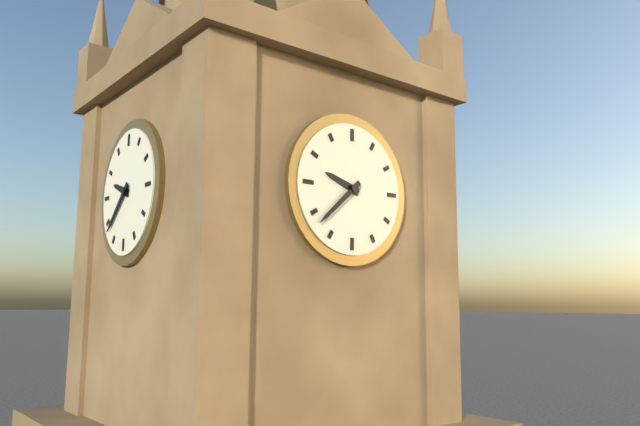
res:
9:38
